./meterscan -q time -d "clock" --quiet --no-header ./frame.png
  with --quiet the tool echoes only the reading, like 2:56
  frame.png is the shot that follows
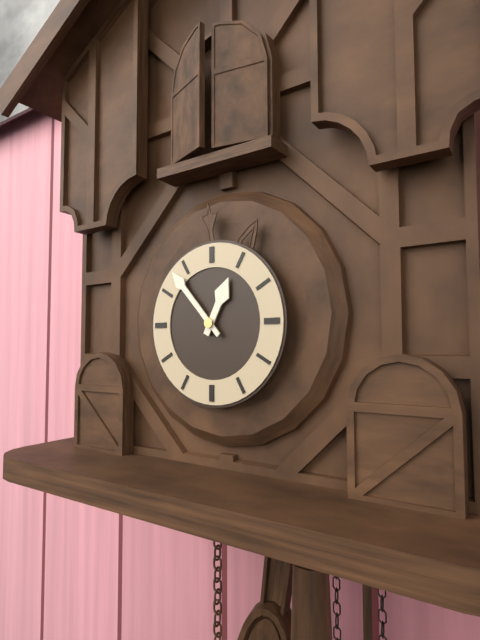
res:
12:53
